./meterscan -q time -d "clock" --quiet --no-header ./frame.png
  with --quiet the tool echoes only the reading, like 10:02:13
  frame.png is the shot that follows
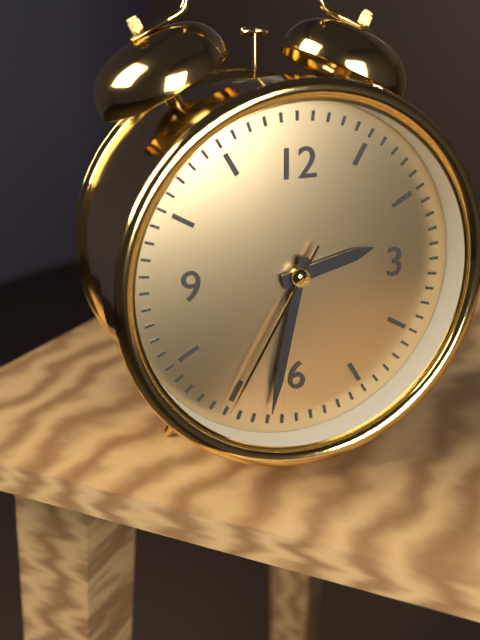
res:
2:32:35
